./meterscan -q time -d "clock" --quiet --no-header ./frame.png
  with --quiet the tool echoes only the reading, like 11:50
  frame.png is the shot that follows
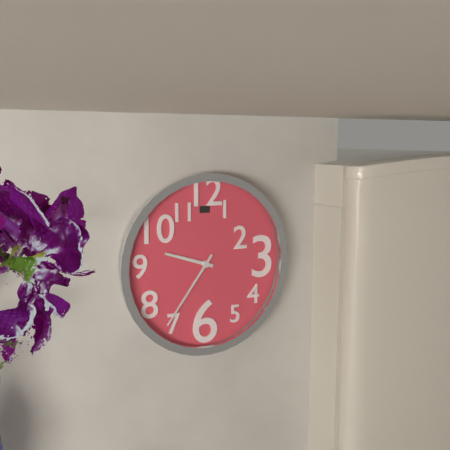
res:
9:36
